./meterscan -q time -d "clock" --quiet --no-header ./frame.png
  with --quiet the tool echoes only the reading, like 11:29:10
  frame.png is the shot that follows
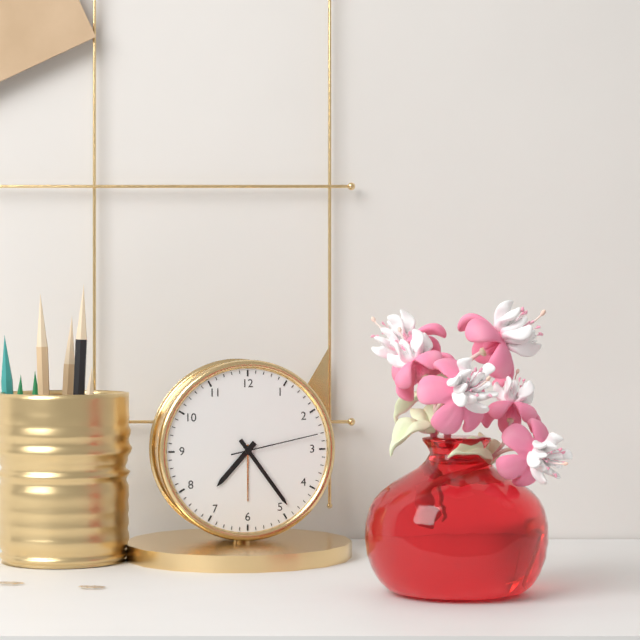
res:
7:24:13
